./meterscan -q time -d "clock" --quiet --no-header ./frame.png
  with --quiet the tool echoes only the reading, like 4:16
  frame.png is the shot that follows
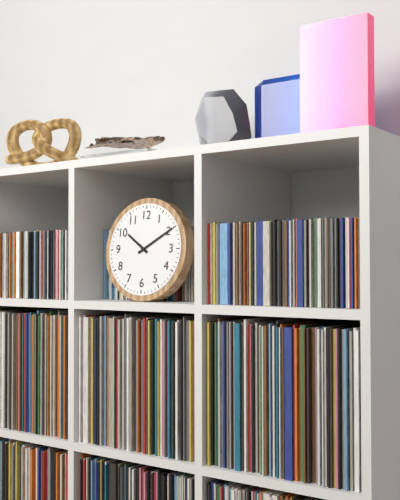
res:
10:10
